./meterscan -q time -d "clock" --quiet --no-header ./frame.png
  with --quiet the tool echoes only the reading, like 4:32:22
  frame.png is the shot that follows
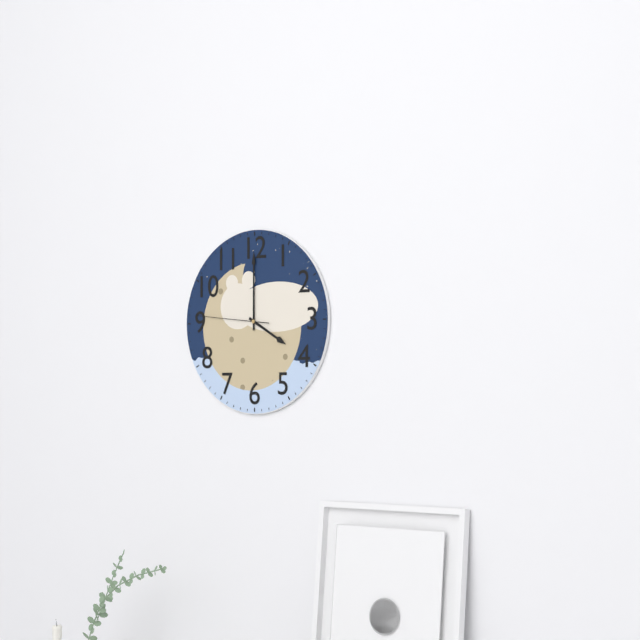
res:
4:00:46
